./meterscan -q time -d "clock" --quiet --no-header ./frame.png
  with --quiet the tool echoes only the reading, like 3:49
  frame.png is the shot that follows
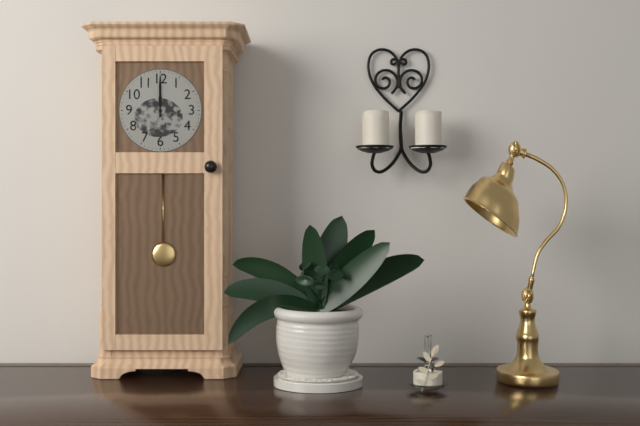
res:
12:00
